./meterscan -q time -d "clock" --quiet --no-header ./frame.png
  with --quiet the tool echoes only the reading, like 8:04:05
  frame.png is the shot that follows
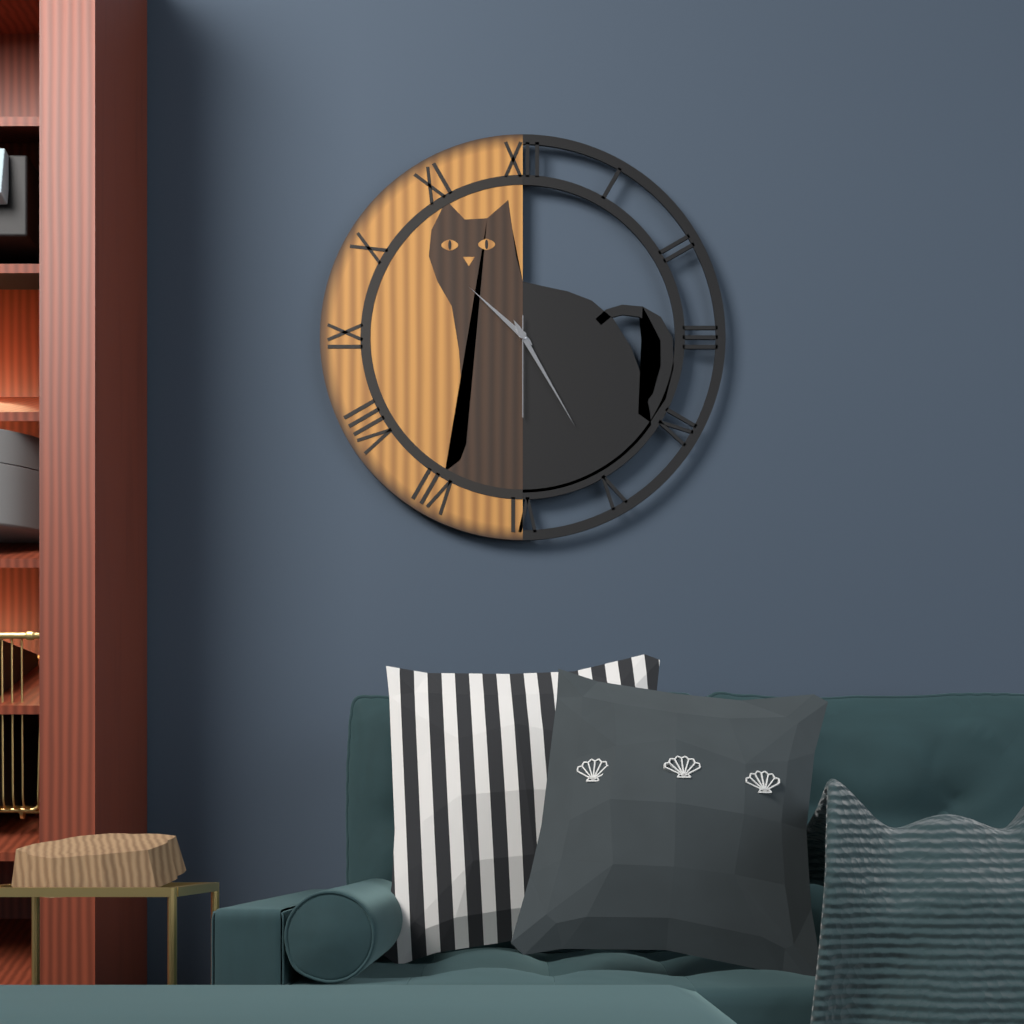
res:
10:25:30
